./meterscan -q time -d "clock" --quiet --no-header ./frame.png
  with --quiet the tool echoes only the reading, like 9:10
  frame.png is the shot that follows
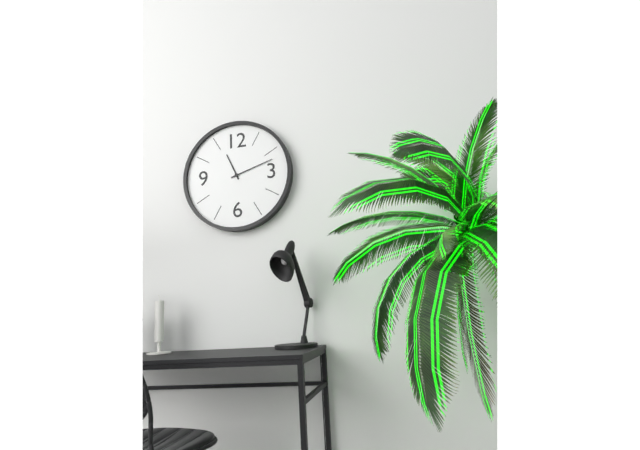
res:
11:12
